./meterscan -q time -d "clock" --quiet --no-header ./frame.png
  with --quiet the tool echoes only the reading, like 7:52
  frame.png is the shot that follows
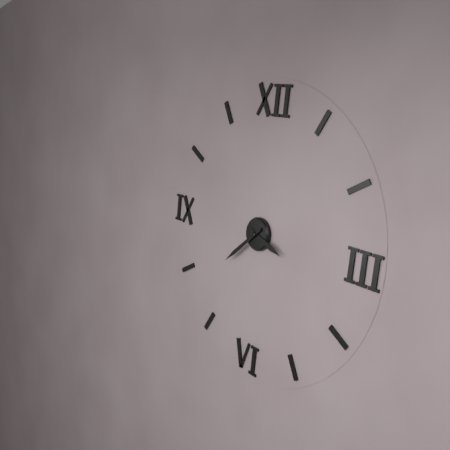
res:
3:38
